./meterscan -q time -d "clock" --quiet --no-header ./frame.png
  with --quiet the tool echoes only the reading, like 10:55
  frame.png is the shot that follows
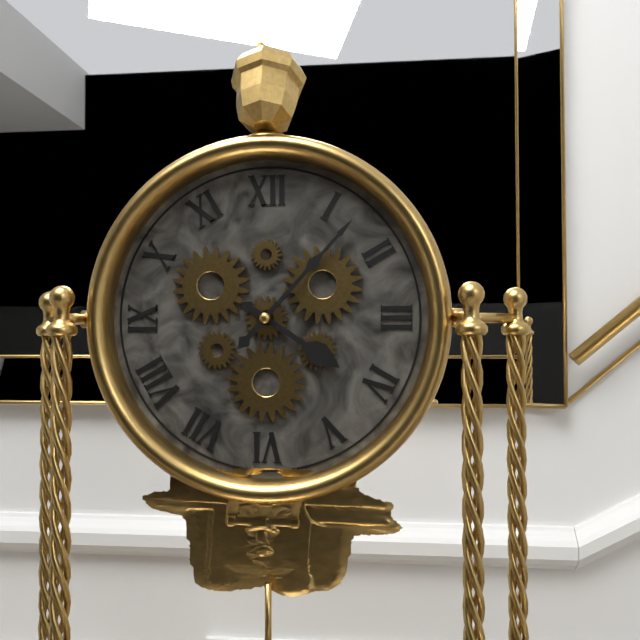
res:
4:07
